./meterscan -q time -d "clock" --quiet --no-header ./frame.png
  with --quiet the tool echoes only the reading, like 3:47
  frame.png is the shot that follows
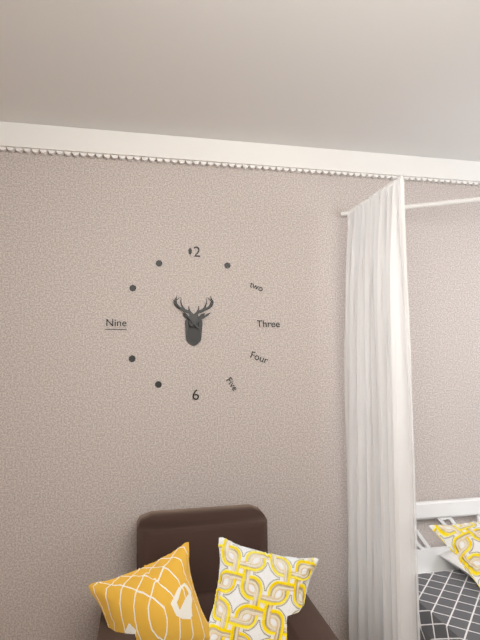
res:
1:53
